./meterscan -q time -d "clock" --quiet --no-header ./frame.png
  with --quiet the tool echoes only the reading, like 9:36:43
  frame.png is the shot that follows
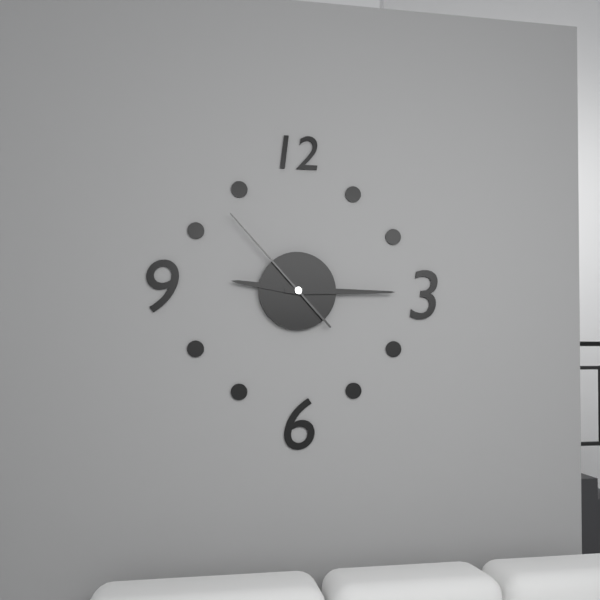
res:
9:15:53
